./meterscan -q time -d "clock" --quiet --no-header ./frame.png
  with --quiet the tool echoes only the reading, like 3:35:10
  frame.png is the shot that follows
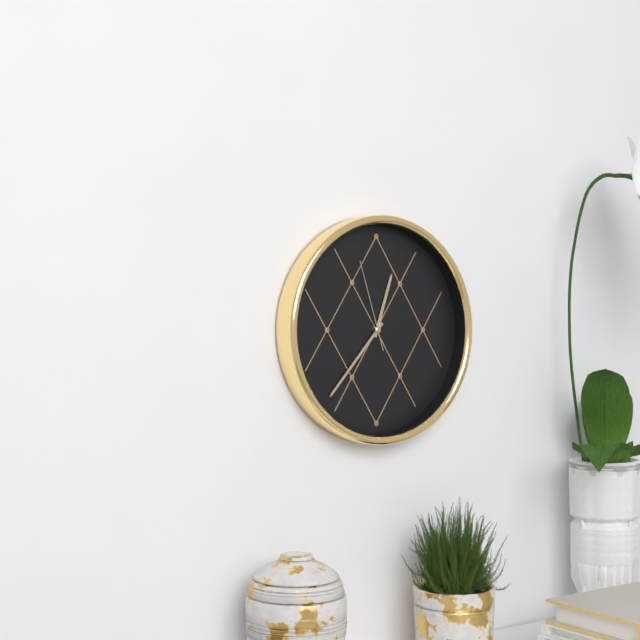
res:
12:37:57
